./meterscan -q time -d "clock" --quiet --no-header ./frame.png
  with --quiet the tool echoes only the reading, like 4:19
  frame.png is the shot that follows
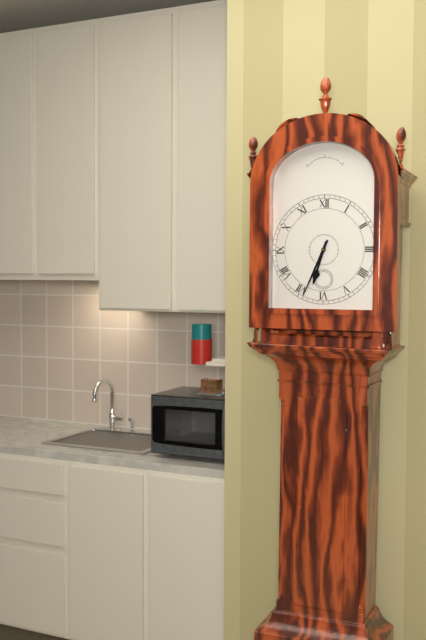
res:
6:34
